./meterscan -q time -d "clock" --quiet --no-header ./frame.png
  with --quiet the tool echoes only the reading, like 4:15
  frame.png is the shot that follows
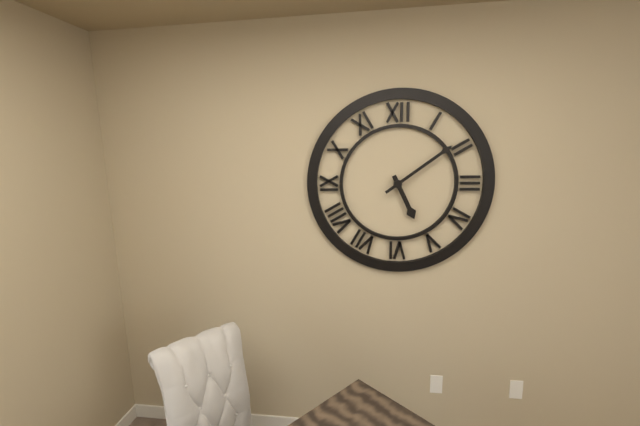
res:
5:09
